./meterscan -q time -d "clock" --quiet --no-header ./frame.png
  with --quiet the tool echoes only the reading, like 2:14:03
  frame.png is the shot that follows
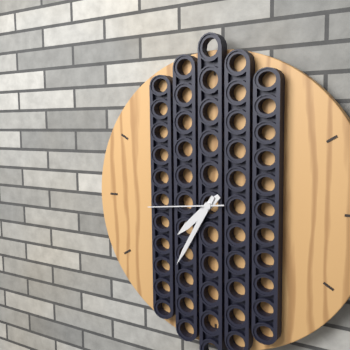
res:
7:35:44
